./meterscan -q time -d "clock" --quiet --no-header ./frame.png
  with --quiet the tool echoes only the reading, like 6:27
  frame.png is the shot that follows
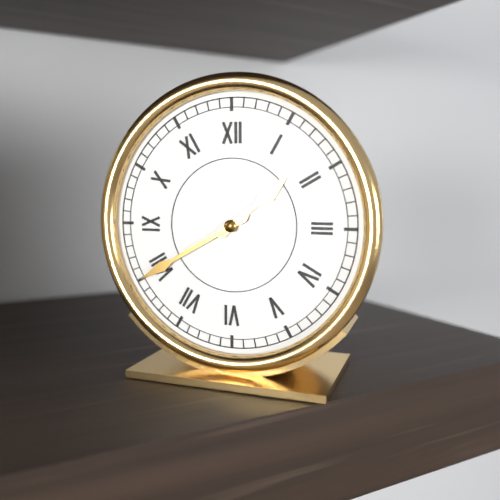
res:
1:40
